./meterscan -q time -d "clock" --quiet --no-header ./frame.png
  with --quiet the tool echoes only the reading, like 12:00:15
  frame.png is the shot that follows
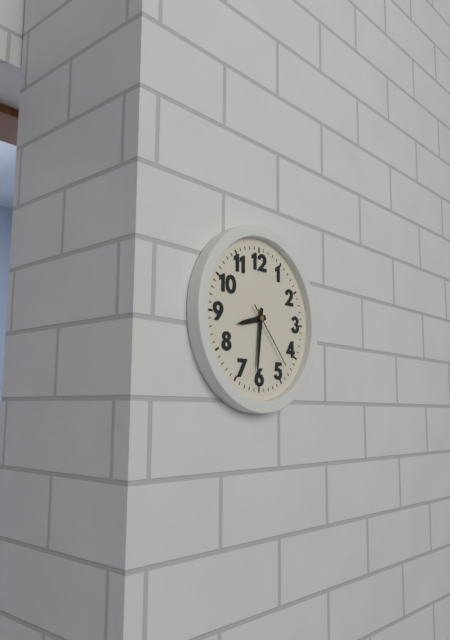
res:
8:31:23
